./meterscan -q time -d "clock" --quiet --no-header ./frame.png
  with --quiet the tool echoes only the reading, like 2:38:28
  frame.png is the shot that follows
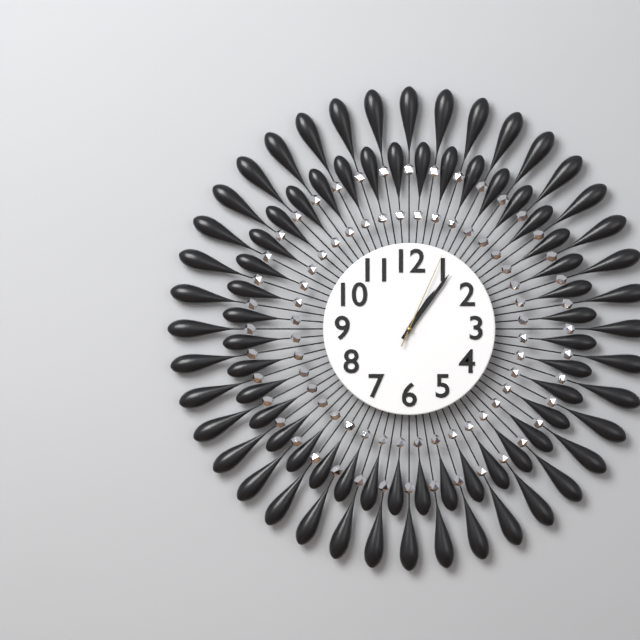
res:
1:06:04
